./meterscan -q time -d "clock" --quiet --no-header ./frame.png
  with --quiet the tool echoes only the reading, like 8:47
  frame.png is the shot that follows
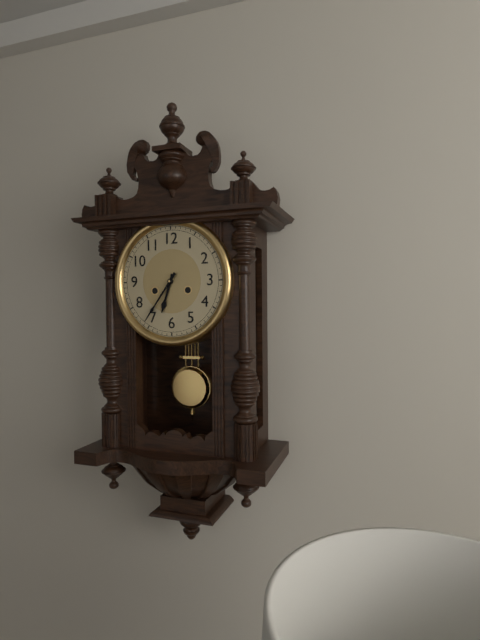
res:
6:36
